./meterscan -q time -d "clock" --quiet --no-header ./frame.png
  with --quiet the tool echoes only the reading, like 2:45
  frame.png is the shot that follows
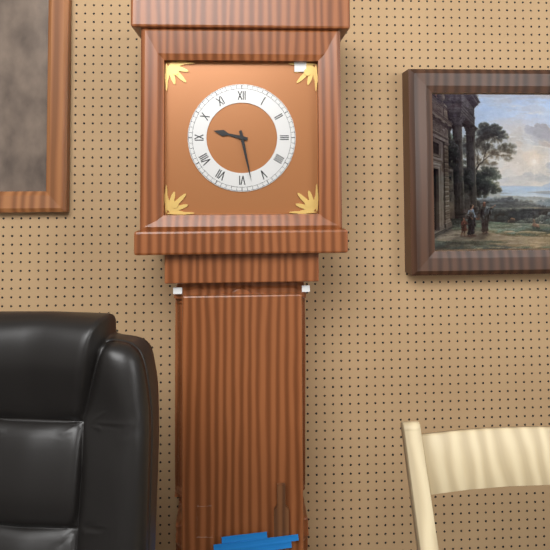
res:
9:28
